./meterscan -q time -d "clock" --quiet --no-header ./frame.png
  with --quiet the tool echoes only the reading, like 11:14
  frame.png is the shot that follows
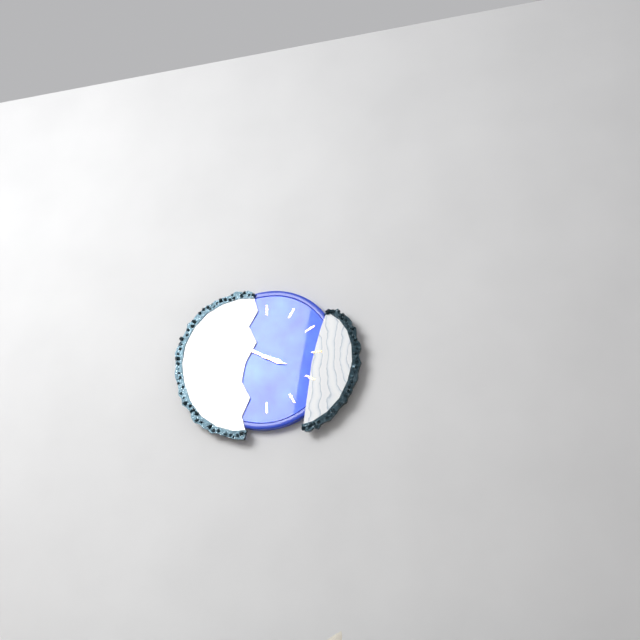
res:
3:50
